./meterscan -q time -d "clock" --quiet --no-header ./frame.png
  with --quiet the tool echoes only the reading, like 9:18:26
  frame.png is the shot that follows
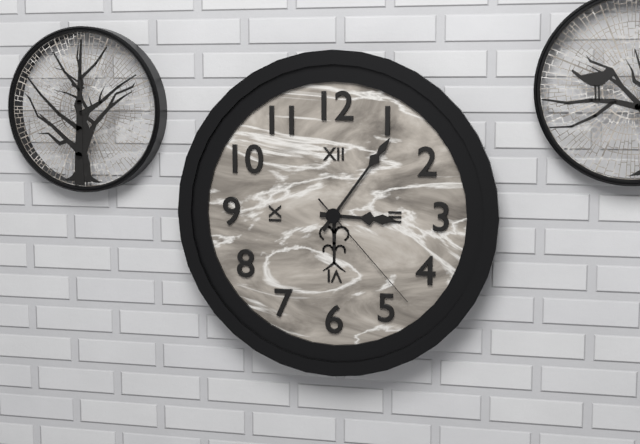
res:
3:06:23
